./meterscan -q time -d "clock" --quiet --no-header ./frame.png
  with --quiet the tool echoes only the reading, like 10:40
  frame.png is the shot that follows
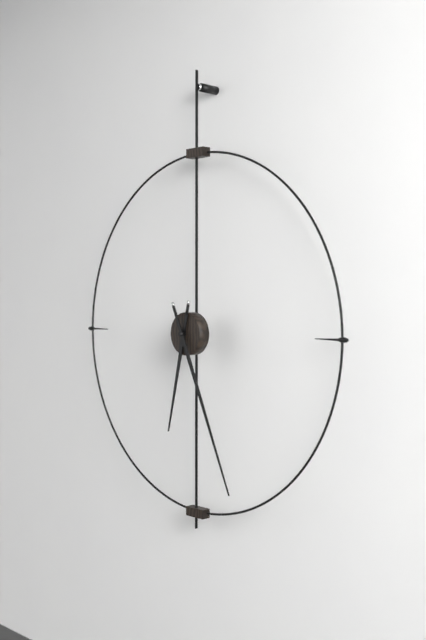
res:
6:26
